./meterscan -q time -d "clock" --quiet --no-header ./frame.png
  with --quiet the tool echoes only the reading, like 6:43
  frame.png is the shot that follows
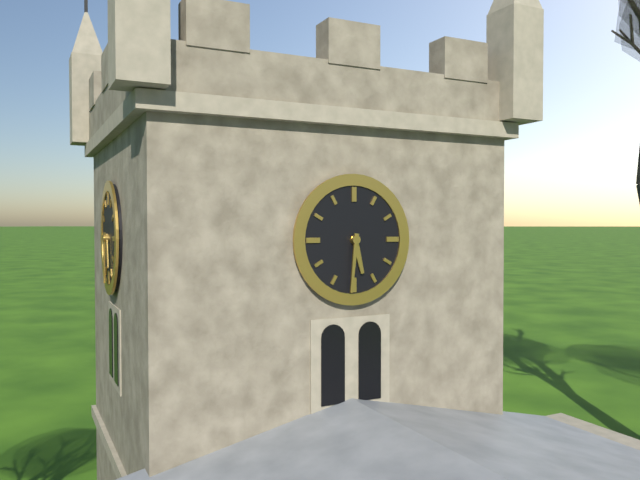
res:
5:31
